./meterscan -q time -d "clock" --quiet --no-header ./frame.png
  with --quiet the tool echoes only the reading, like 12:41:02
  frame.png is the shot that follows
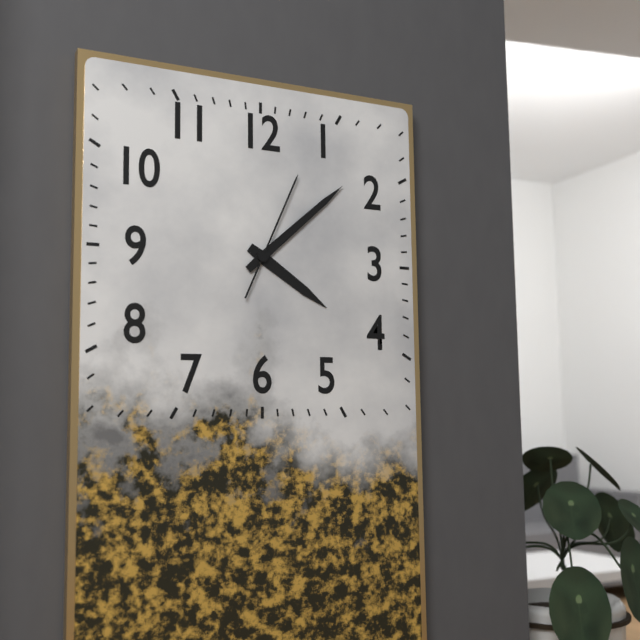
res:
4:08:04
